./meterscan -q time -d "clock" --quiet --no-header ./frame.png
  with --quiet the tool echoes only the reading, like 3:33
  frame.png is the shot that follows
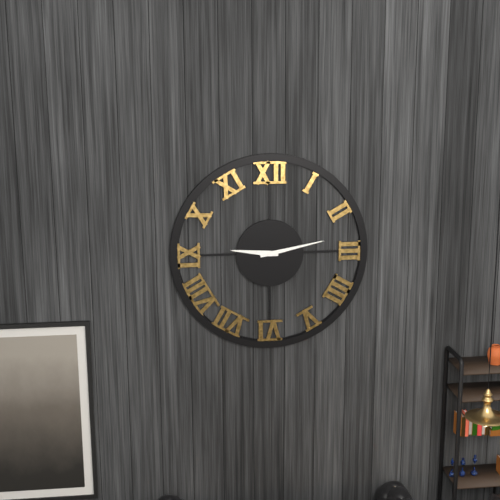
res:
9:13
